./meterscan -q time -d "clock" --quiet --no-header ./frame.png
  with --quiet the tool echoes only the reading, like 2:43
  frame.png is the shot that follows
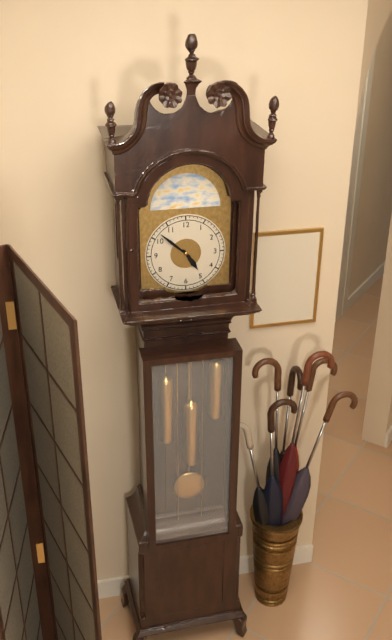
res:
4:52
